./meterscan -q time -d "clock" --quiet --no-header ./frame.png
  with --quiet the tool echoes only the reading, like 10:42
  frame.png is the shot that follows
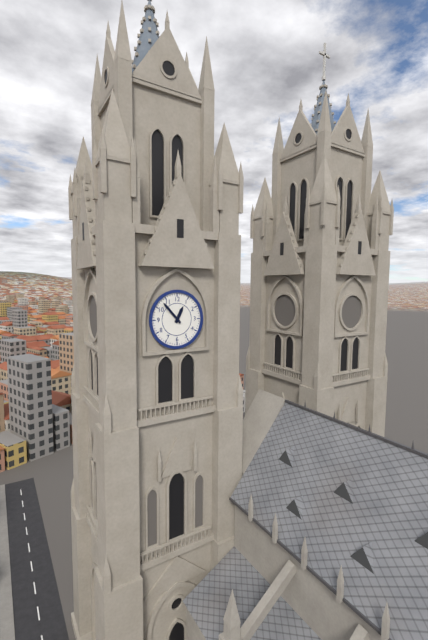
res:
12:53
